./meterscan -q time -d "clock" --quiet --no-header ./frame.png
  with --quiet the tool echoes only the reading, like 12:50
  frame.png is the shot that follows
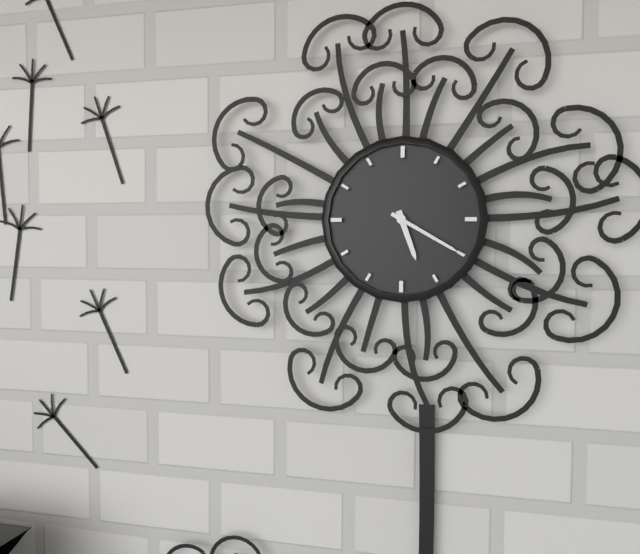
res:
5:20
